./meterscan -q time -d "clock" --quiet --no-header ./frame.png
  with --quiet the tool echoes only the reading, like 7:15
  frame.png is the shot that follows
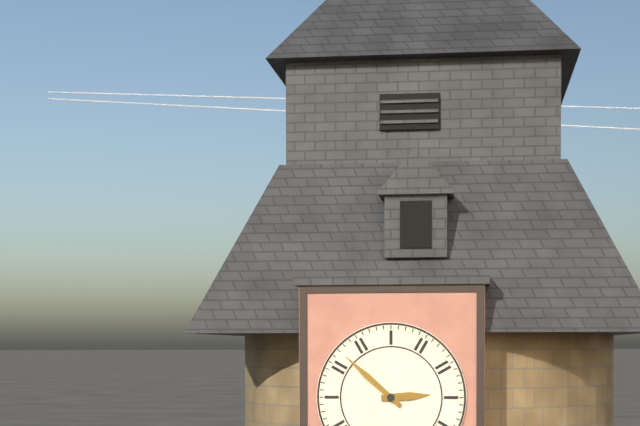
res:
2:52
